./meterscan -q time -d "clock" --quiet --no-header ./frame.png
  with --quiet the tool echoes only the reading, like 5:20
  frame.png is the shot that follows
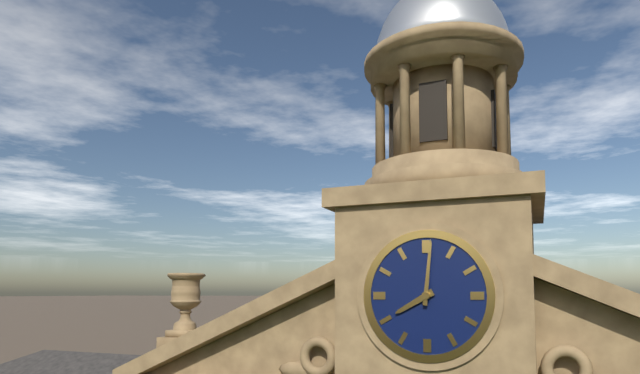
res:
8:01
